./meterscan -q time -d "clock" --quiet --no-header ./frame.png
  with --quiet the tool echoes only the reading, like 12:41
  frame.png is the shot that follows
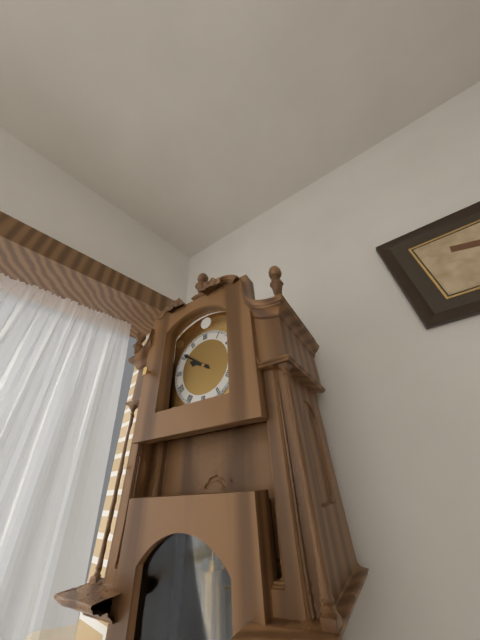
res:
9:51
